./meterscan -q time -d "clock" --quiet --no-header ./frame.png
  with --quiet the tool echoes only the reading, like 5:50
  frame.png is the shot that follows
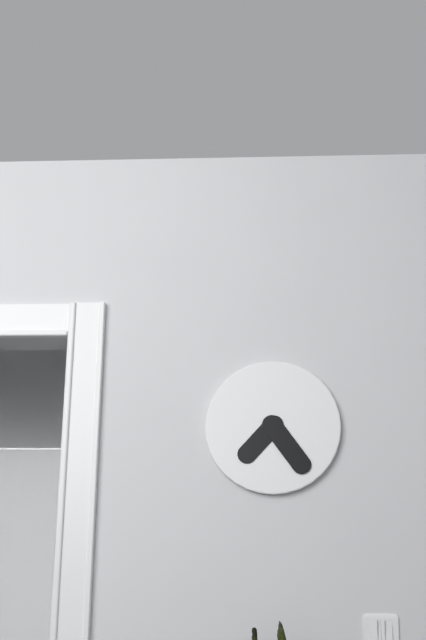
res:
7:24
